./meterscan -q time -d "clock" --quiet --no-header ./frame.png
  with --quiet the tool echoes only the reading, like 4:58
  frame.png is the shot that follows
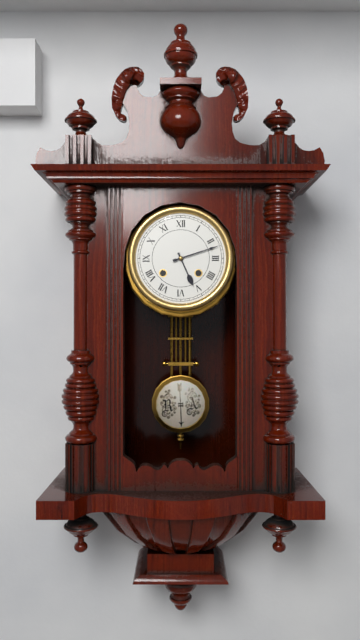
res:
5:12
